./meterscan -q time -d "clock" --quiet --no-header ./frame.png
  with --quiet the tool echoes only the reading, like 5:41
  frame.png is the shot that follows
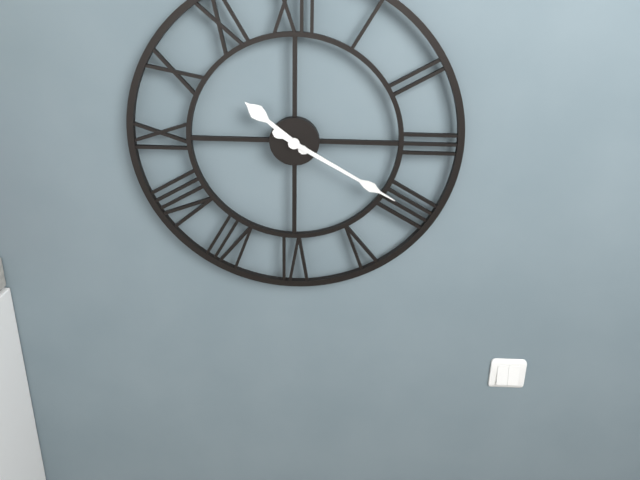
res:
10:20
